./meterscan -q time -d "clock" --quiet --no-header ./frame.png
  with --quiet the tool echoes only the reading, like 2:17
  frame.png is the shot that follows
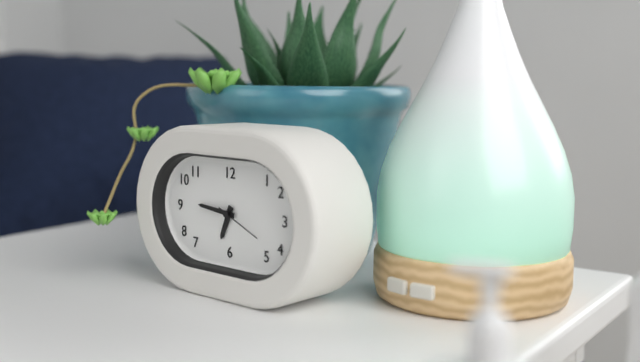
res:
6:46
